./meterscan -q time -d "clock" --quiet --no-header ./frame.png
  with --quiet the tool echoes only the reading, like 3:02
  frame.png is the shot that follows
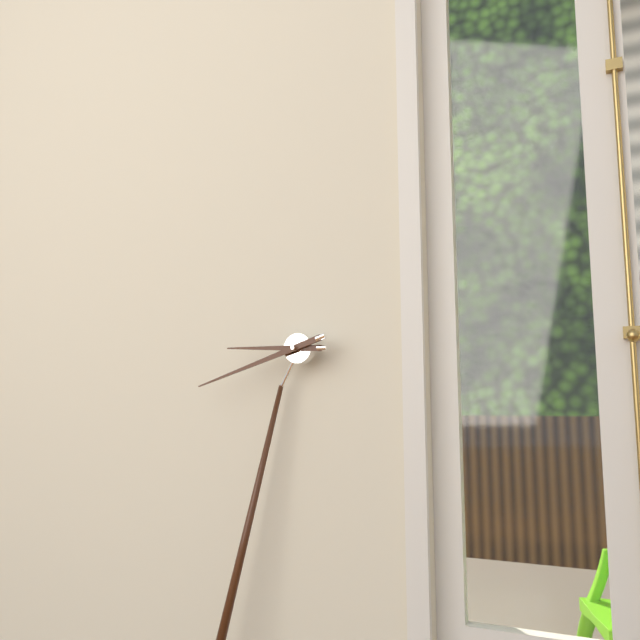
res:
8:40
